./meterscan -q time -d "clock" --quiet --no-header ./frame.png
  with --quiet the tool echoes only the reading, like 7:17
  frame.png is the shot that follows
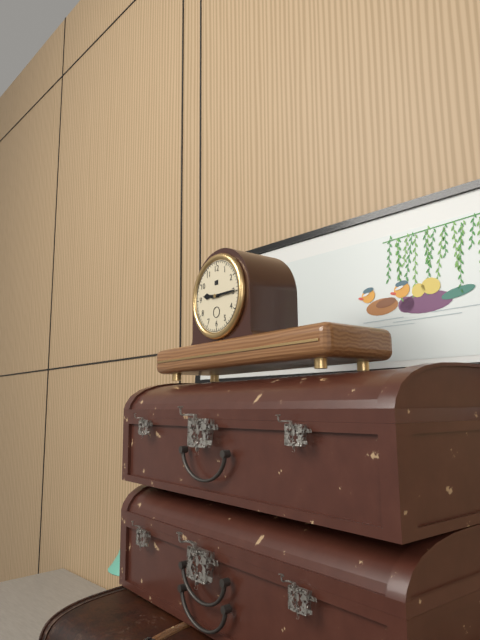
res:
9:15
